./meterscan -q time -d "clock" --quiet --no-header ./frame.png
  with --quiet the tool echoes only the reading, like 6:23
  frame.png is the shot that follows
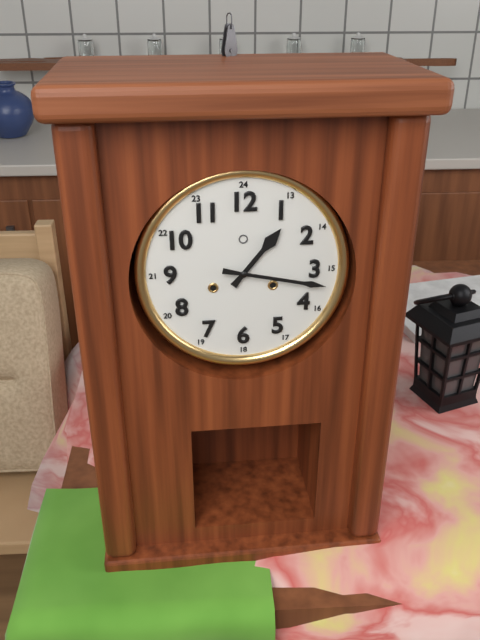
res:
1:17
